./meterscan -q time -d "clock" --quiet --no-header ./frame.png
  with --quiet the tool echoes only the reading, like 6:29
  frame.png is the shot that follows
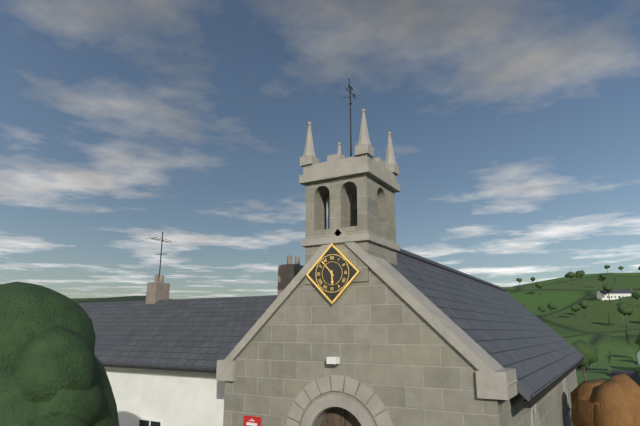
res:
5:53
